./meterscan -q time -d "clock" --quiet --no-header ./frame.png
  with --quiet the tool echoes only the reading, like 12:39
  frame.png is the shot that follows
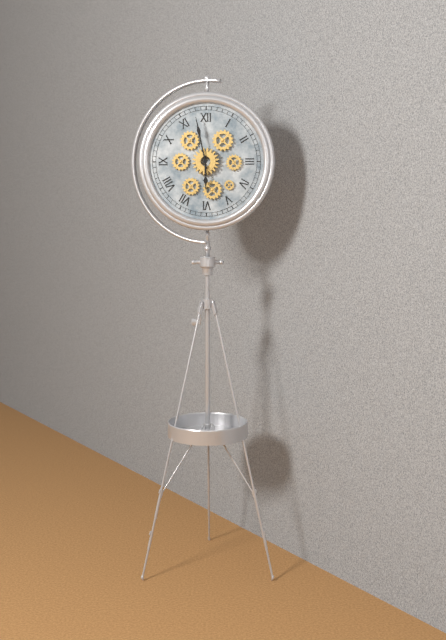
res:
5:58
